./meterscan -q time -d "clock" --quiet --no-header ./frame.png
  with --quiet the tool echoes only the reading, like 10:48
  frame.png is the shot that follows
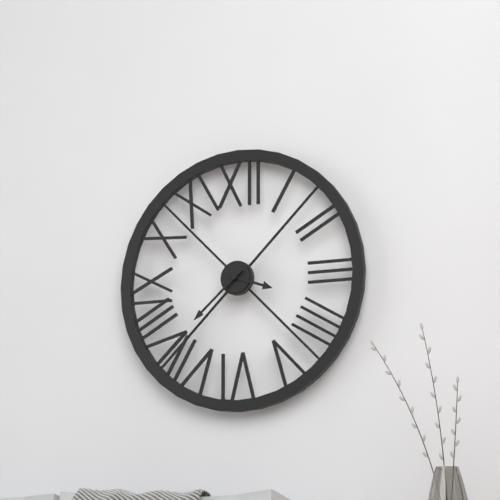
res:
3:38
